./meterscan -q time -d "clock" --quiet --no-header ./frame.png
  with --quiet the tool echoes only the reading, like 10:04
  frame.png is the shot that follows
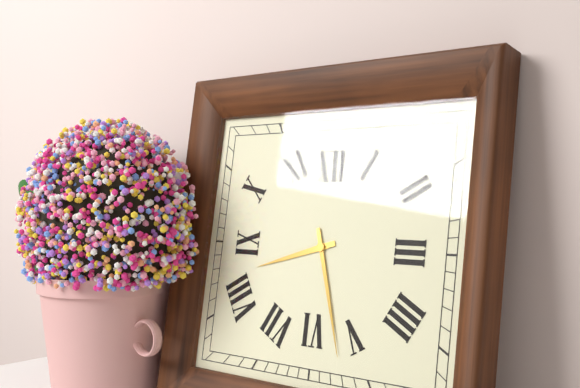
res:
8:27
